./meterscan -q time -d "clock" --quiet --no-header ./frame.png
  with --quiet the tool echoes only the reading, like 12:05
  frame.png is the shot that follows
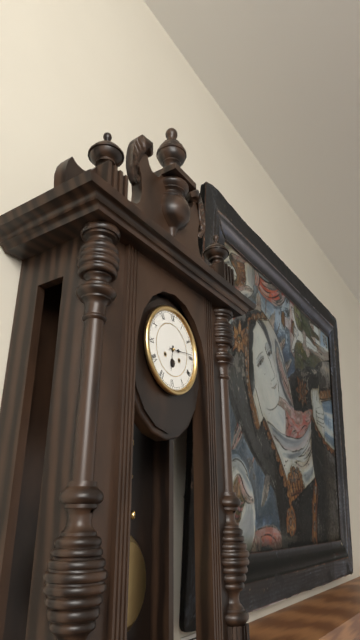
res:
6:14
